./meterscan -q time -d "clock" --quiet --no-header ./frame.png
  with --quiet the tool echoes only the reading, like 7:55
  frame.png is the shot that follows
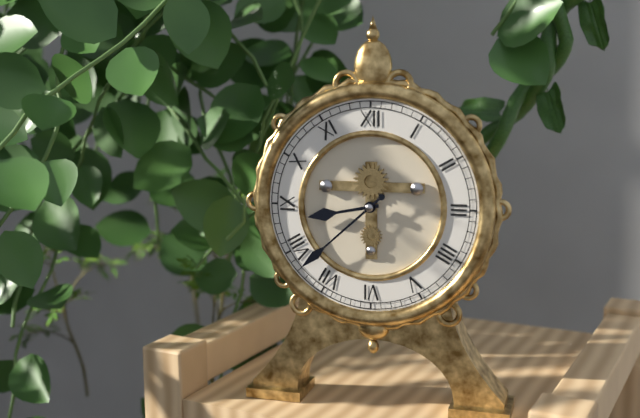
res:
8:38
